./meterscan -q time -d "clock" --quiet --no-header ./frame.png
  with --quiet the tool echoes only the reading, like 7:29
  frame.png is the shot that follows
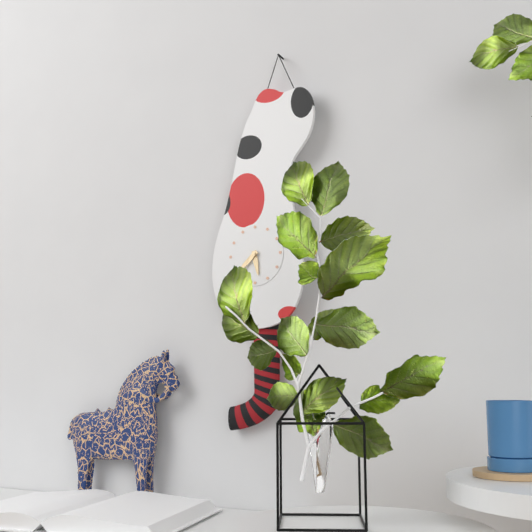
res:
5:38
